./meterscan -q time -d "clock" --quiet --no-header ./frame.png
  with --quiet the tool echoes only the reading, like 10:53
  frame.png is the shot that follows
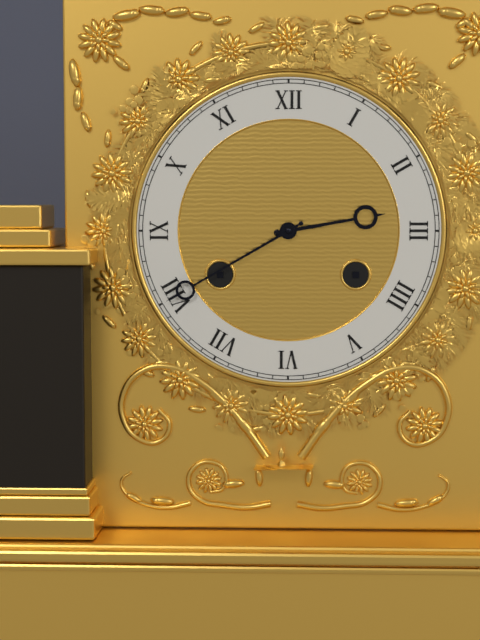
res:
2:40
